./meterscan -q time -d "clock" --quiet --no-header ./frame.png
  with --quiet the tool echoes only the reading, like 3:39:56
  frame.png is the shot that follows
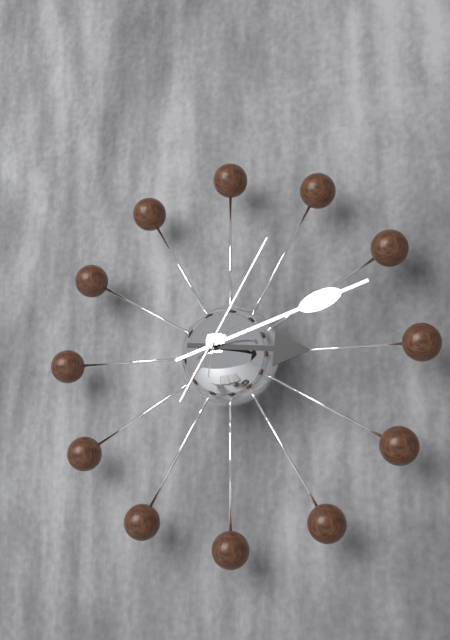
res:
3:12:05
